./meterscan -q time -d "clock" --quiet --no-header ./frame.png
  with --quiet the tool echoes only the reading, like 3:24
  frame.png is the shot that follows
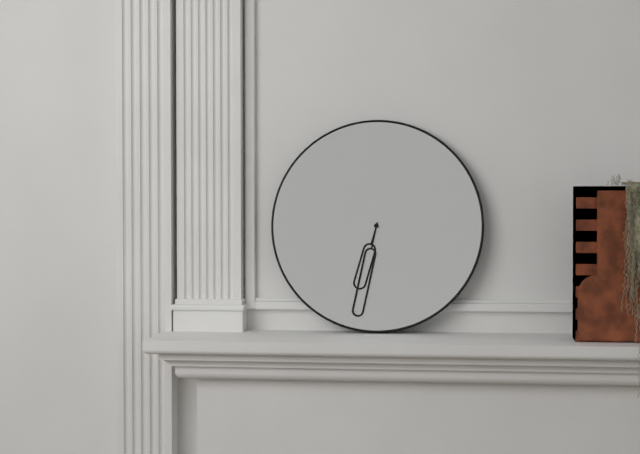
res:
6:32
